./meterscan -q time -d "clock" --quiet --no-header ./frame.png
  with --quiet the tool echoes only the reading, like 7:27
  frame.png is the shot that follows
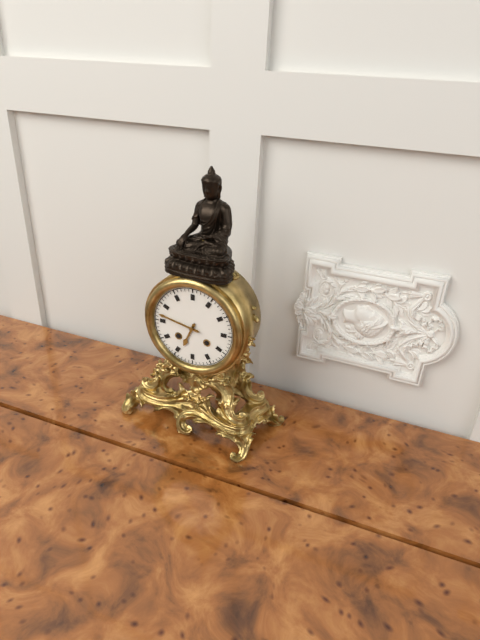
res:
6:47
